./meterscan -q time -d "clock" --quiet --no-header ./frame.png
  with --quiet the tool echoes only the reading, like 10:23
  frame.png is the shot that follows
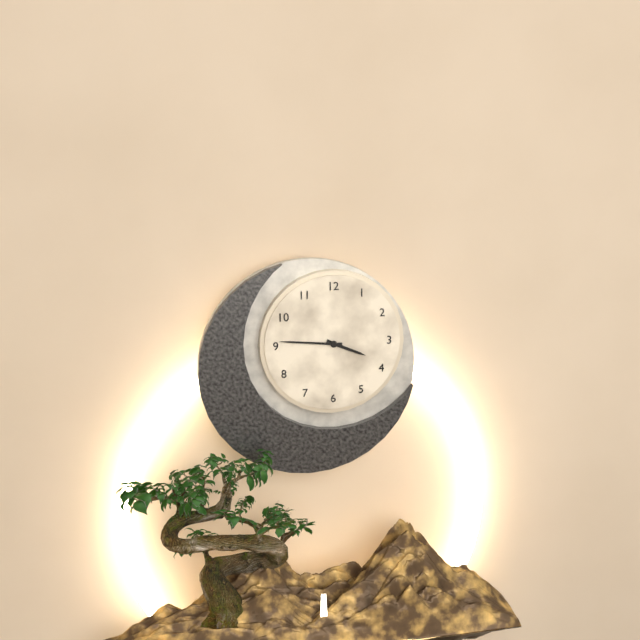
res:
3:46
